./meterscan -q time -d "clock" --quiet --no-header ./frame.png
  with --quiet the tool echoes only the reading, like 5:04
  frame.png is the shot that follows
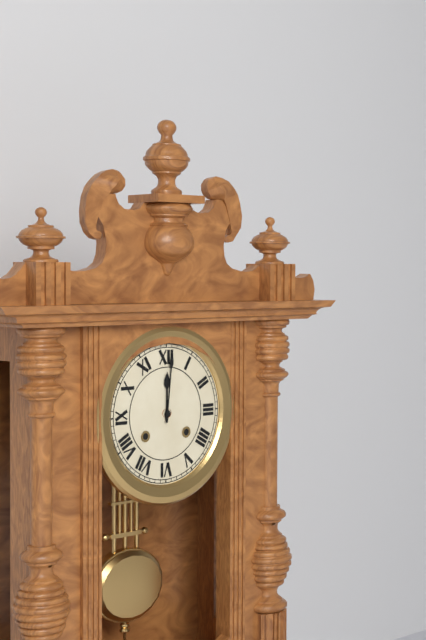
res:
12:01
